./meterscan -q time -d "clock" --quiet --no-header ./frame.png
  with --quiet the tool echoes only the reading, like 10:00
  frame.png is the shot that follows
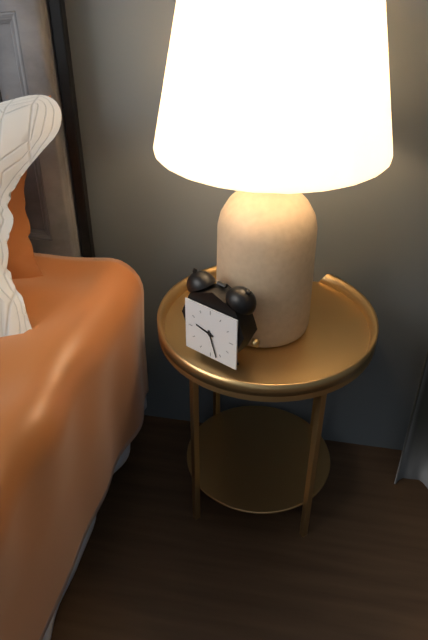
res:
9:27
